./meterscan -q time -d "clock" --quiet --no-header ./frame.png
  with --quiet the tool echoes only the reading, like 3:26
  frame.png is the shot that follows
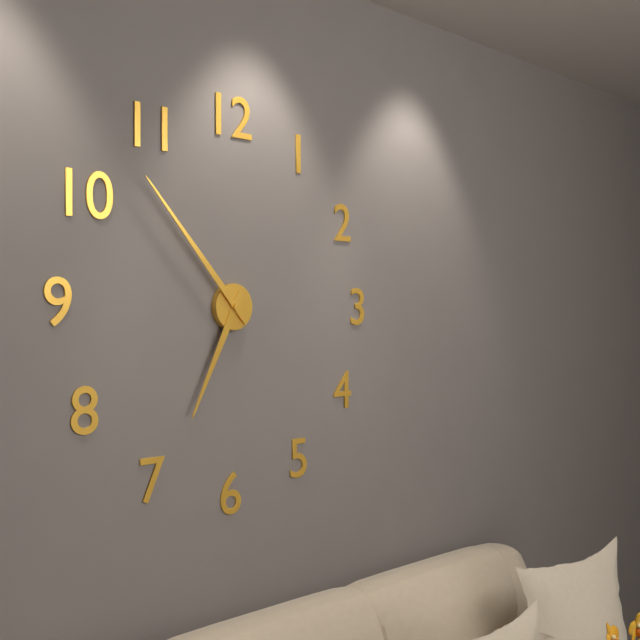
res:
6:53
